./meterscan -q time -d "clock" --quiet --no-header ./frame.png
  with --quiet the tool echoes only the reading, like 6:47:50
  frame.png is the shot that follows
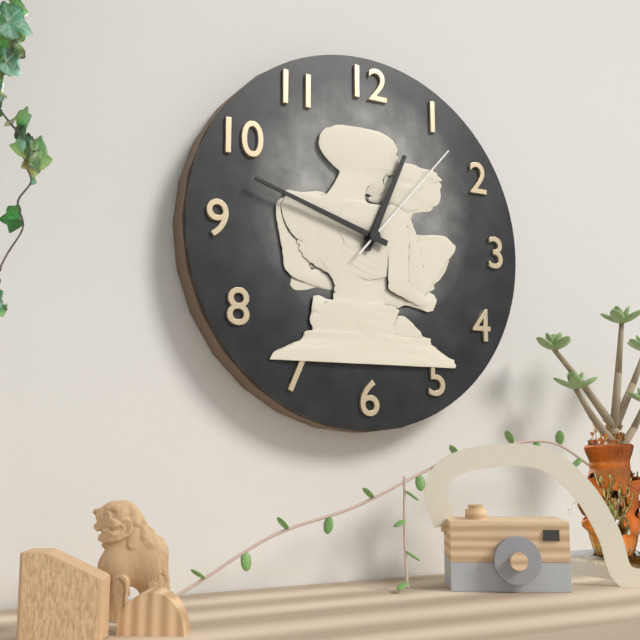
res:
12:48:07
